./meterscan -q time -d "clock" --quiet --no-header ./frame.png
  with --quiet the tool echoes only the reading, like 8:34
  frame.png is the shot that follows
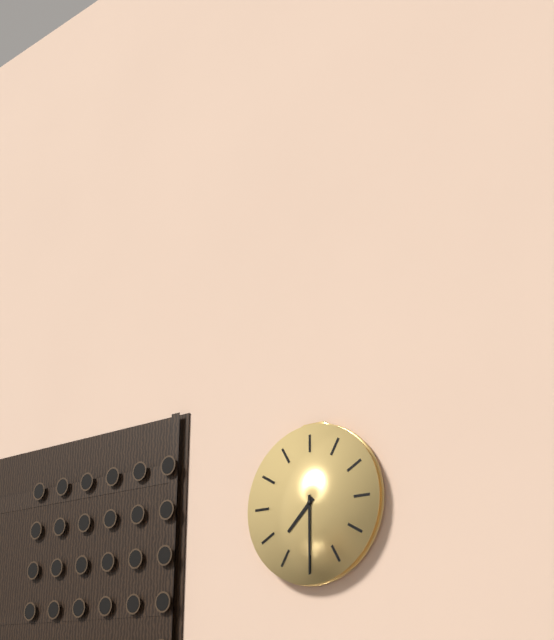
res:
7:30
